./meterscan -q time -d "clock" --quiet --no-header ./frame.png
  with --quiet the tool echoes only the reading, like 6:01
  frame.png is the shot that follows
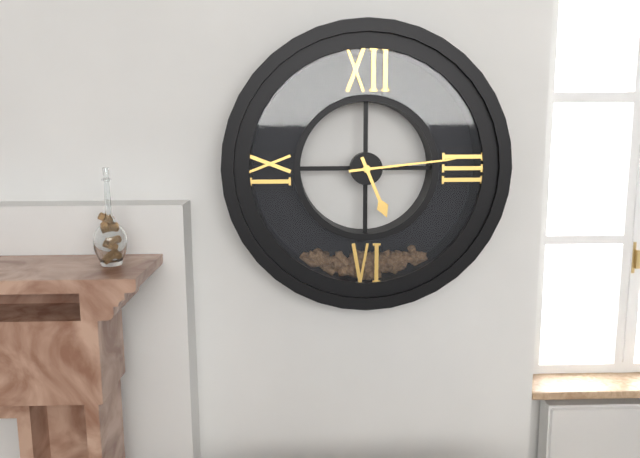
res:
5:14
